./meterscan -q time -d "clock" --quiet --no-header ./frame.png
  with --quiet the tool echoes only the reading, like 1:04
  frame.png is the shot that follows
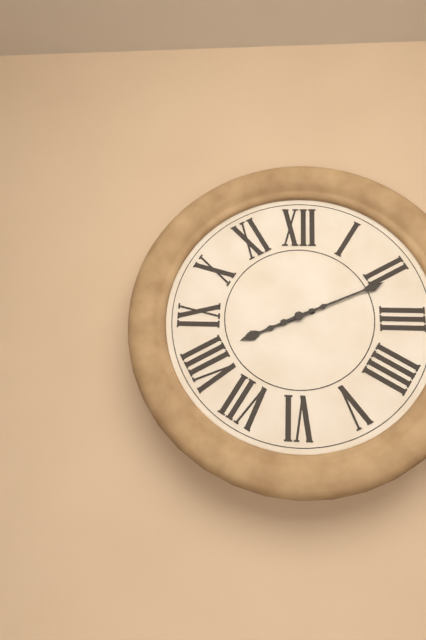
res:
8:11
